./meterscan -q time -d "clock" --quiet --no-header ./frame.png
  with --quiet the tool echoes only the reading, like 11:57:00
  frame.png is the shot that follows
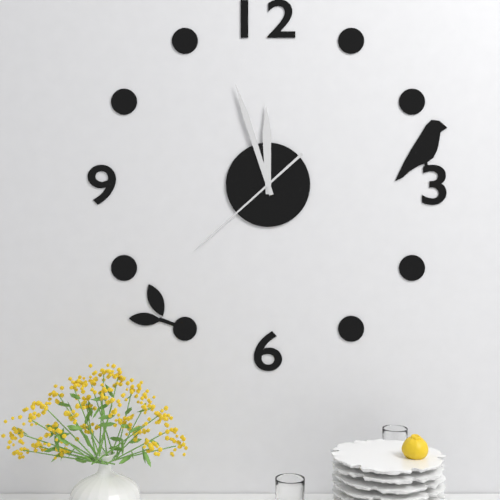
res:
11:57:38
